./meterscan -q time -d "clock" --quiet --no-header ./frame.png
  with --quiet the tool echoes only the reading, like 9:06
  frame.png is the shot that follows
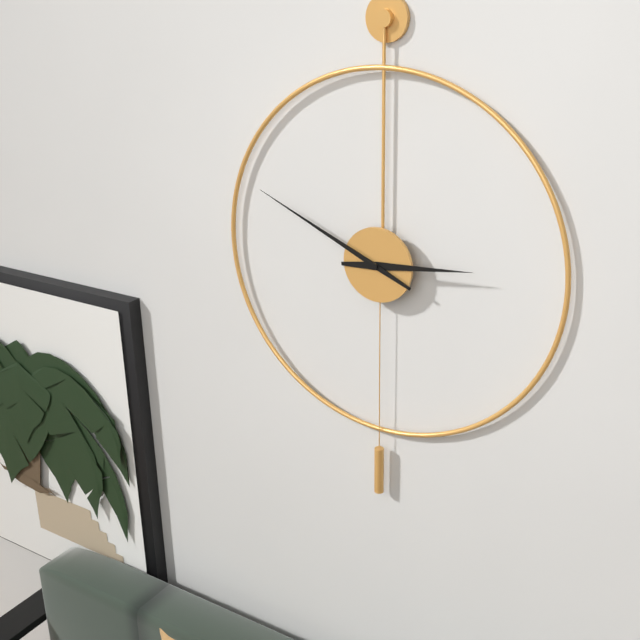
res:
2:49
